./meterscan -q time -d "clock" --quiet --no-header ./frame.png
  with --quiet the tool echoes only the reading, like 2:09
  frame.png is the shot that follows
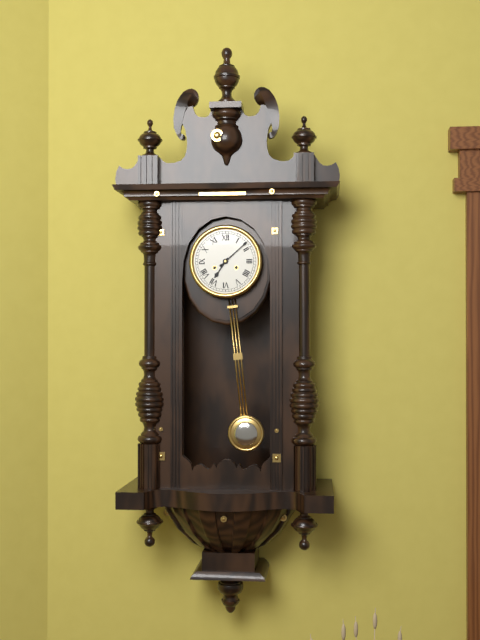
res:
7:08
